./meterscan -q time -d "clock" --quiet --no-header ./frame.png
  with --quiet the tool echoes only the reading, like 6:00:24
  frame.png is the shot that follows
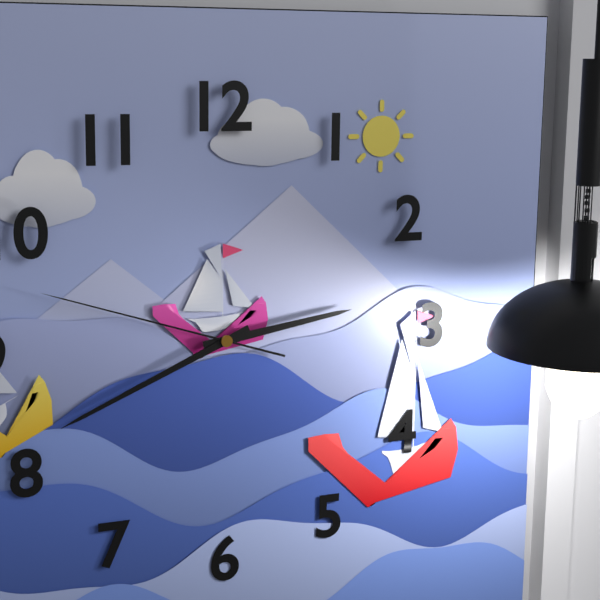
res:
2:41:48
